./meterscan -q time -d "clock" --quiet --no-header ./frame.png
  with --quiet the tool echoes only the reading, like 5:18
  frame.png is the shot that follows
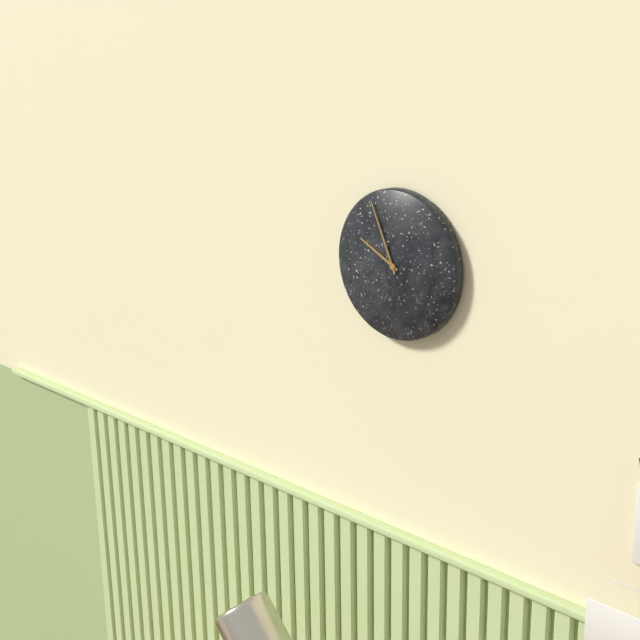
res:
9:56
